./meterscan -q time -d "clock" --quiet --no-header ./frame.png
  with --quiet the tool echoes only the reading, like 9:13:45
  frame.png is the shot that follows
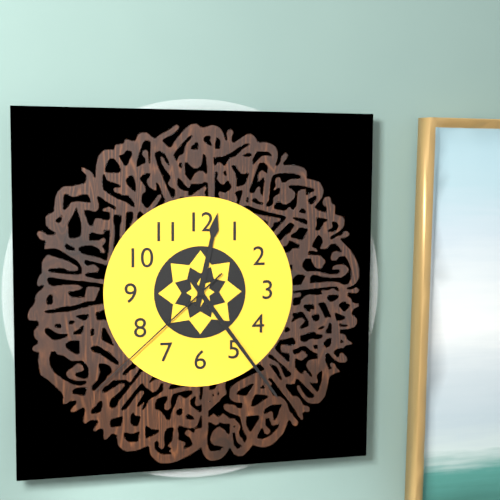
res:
12:24:38
